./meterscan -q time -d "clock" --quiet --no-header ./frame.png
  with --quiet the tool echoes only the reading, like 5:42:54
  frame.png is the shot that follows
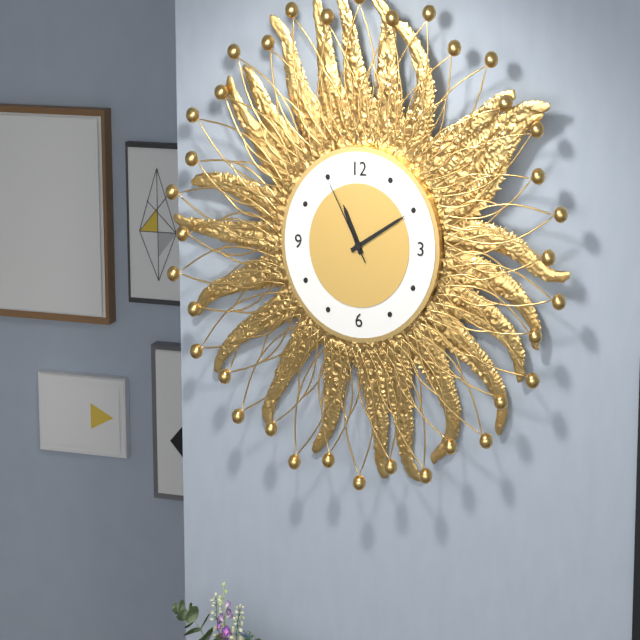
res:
11:10:55
